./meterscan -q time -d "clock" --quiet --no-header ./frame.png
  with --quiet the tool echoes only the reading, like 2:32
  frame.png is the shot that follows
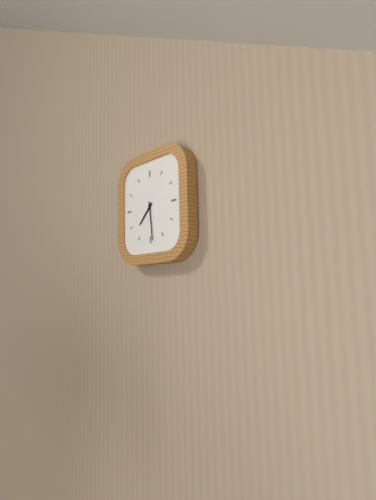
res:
7:29
